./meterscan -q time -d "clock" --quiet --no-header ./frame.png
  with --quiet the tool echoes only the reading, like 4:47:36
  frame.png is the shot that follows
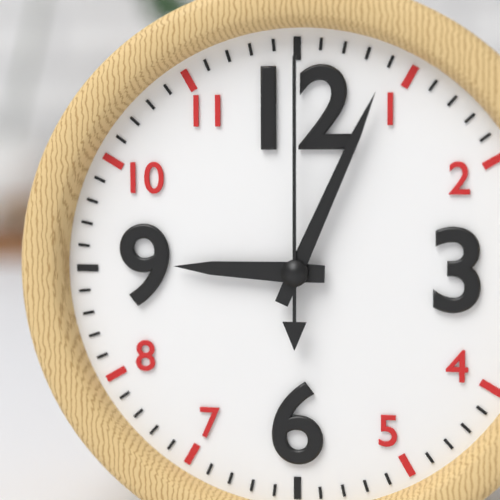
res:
9:04:00
